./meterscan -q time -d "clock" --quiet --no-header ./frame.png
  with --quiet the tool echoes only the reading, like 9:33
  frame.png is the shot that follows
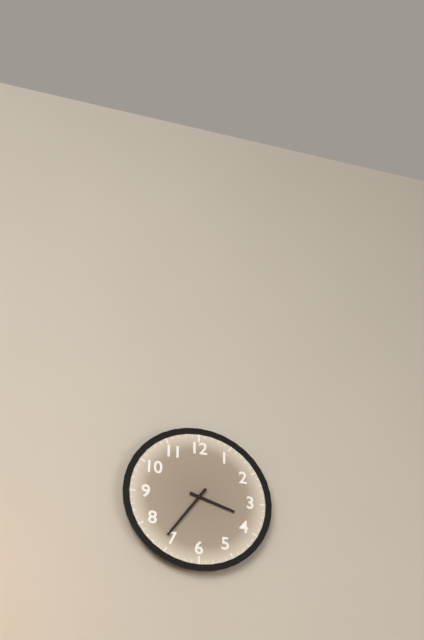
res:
3:36
